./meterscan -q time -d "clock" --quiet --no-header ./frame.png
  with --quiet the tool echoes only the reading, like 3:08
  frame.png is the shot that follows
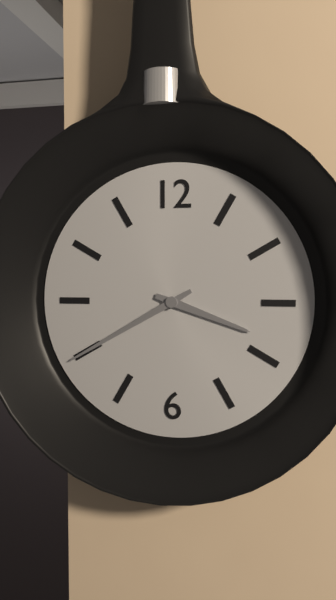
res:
3:40
